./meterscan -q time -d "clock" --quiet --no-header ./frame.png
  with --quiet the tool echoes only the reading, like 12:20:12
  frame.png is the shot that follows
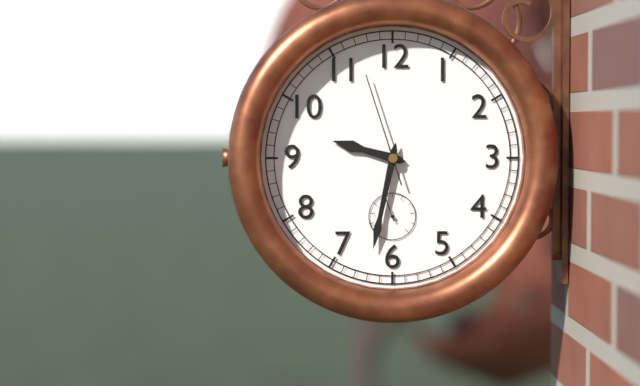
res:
9:32:57
